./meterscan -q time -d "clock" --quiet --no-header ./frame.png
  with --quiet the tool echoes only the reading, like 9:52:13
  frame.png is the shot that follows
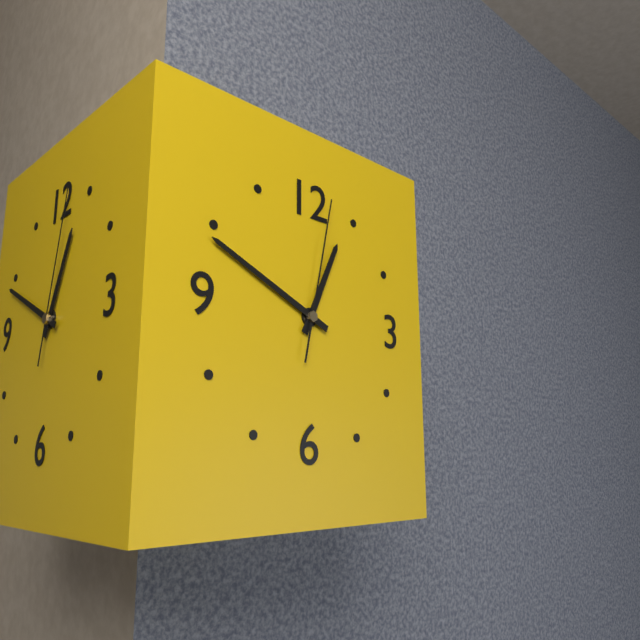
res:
12:49:02
